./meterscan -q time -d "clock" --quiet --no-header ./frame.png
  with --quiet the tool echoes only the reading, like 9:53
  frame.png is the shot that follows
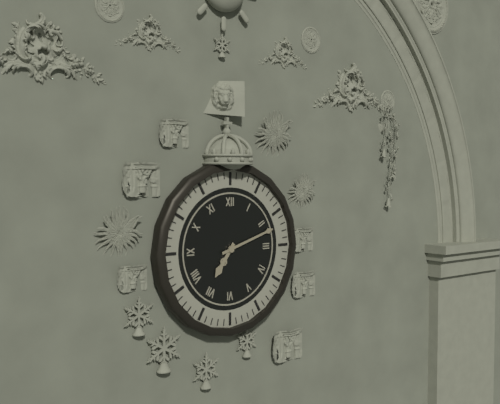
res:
7:12
